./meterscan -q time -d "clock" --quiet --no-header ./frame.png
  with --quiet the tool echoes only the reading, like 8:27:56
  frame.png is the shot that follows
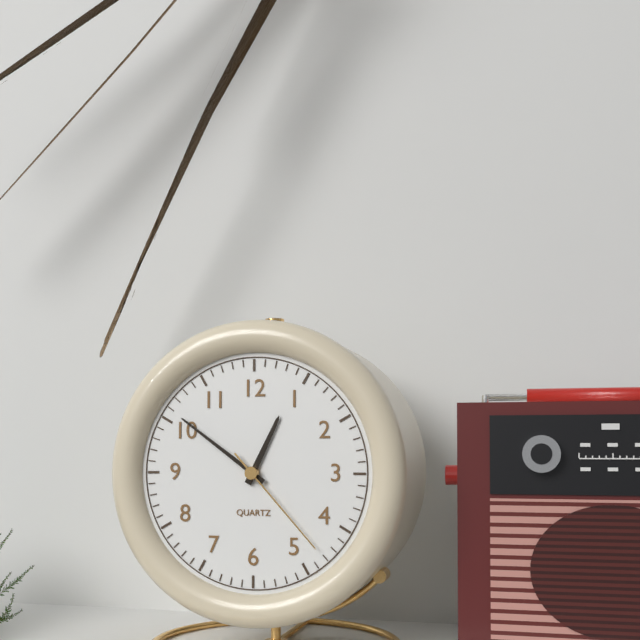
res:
12:51:23
